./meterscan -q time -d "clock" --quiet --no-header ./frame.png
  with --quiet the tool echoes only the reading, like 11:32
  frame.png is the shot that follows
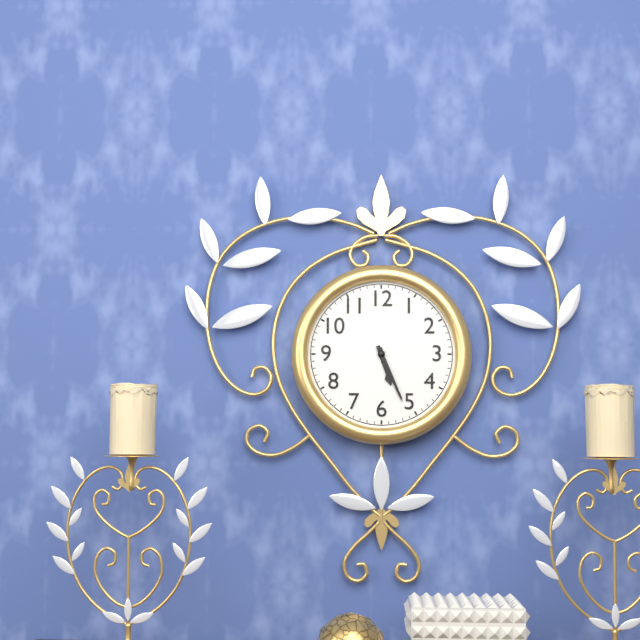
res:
5:26
